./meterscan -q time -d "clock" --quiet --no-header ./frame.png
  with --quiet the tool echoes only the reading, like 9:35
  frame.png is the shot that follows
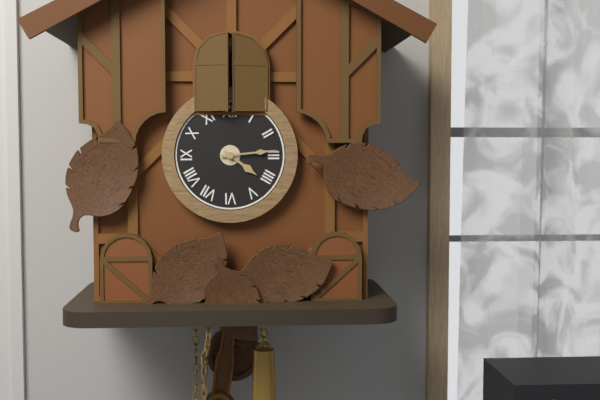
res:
4:14
